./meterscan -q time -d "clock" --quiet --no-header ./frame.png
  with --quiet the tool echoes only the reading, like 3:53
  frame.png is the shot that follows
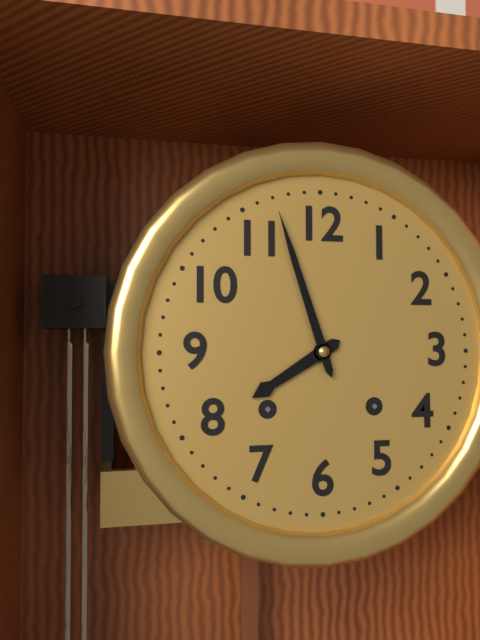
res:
7:57
